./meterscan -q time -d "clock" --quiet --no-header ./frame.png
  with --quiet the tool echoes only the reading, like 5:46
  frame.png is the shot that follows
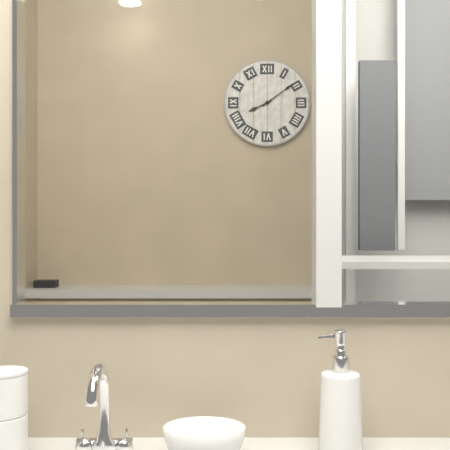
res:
8:09
